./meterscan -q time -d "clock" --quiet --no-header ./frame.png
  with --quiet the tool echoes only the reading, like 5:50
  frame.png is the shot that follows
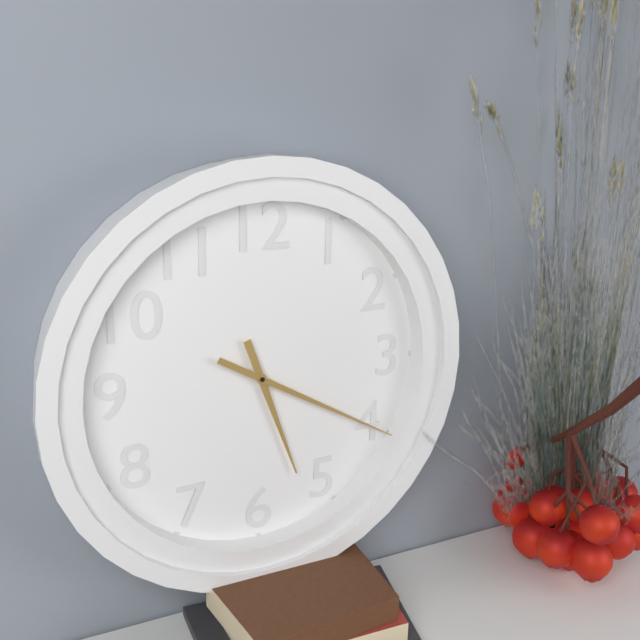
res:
5:20
